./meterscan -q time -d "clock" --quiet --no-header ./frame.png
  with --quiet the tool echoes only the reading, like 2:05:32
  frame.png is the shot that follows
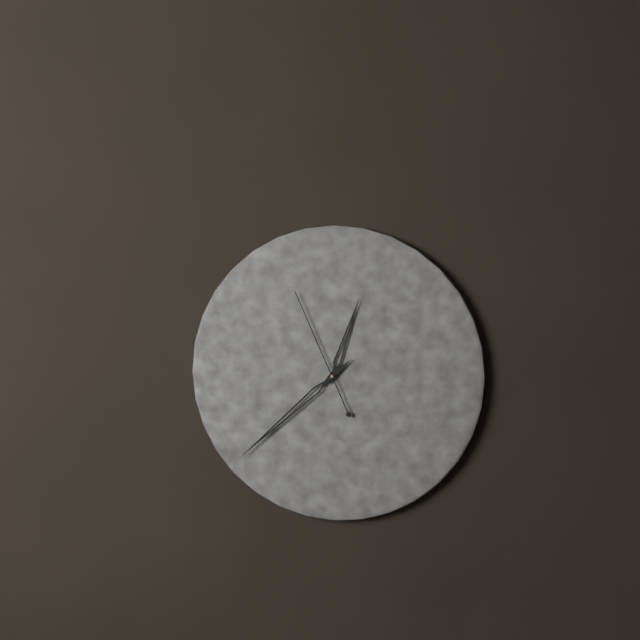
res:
12:38:56
